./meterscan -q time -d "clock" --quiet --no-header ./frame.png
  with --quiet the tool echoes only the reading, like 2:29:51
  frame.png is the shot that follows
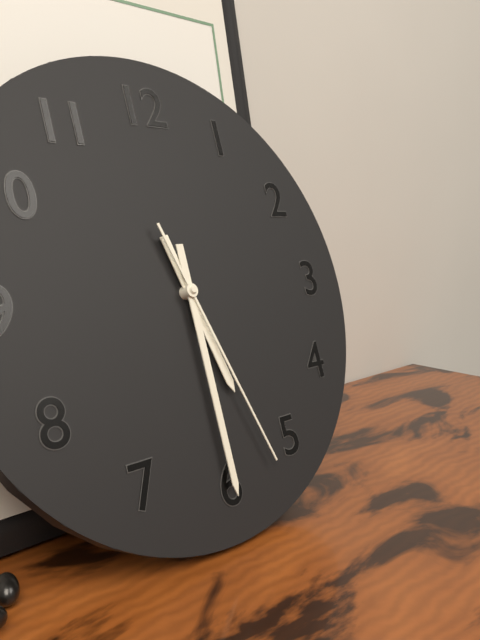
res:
5:30:27
